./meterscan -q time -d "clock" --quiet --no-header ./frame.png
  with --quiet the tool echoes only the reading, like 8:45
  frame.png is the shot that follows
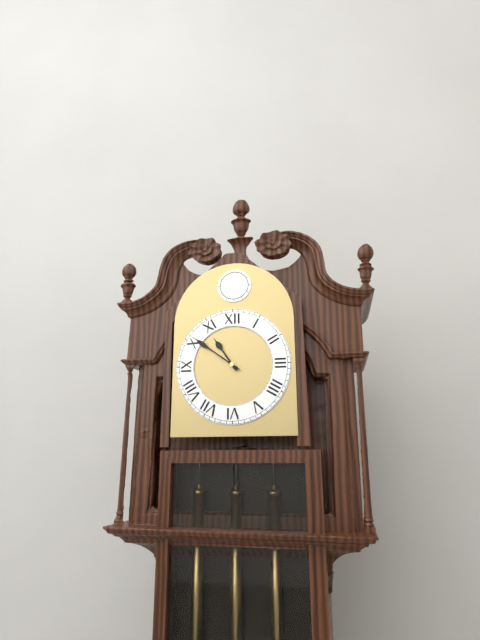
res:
10:51
